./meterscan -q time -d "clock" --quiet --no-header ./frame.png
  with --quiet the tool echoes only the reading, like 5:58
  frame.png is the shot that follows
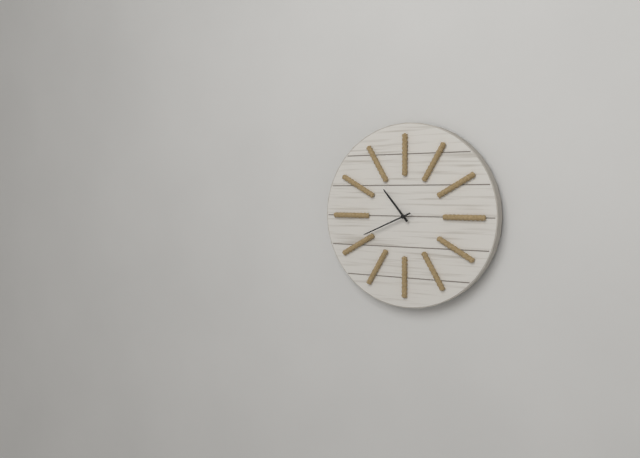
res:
10:41
